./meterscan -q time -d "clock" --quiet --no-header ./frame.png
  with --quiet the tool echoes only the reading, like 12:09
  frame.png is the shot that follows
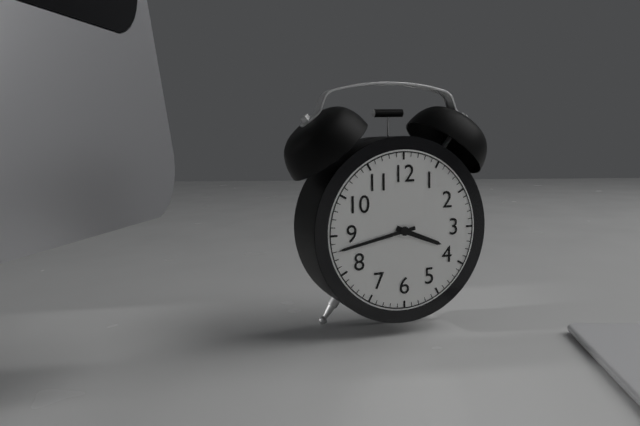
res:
3:43
